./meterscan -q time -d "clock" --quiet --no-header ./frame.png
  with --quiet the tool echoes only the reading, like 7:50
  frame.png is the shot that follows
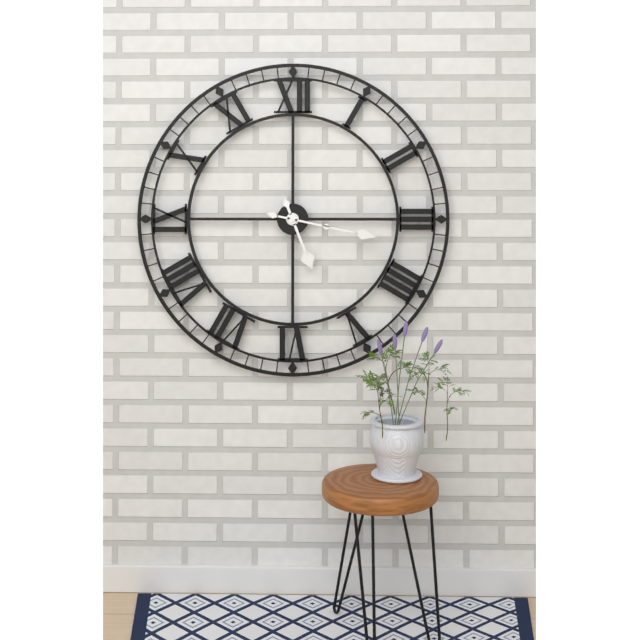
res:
5:17
